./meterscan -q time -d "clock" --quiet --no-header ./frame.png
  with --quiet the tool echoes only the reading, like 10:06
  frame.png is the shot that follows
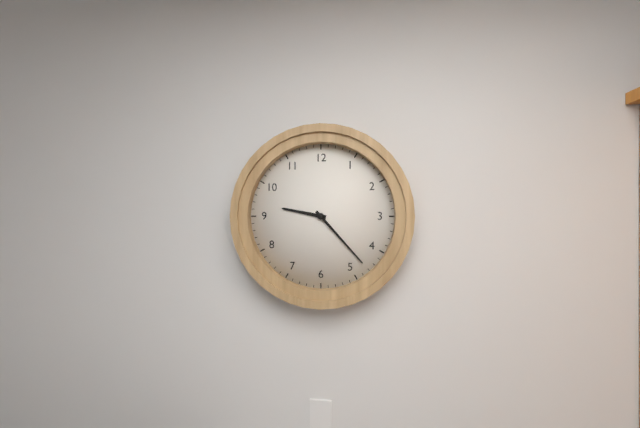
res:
9:23
